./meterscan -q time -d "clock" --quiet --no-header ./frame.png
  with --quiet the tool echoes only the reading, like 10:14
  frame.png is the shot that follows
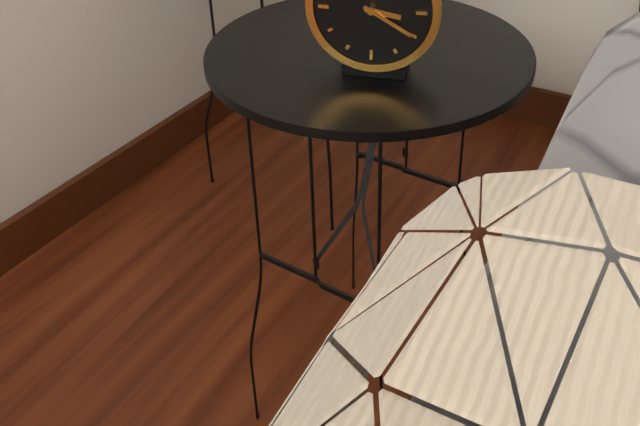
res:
3:20
